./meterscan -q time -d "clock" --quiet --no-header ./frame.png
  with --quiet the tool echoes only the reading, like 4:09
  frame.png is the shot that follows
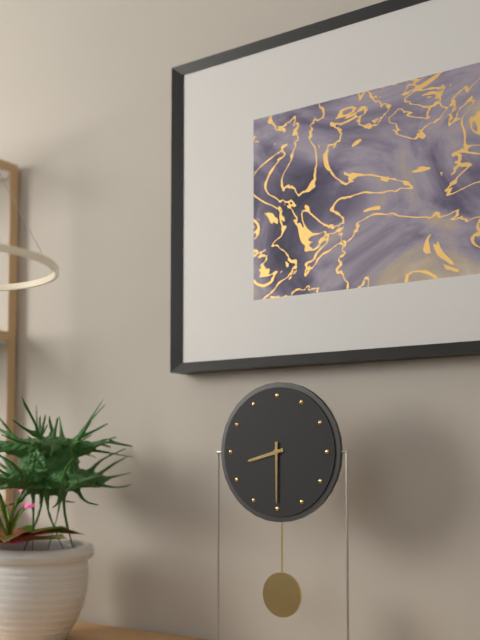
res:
8:30
